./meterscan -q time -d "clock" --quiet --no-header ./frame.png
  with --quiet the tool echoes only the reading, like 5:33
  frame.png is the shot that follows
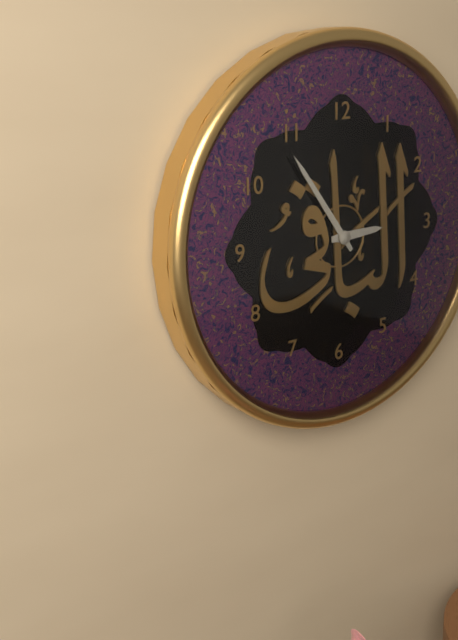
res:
2:54
